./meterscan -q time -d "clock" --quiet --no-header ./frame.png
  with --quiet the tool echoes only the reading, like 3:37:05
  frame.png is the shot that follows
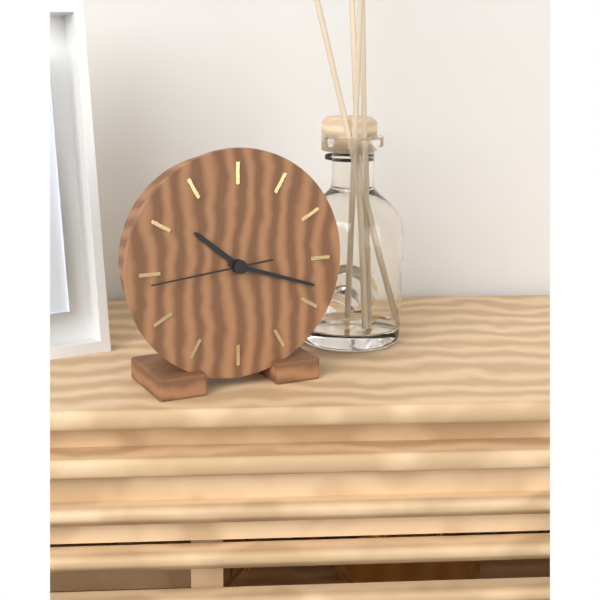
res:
10:18:44
